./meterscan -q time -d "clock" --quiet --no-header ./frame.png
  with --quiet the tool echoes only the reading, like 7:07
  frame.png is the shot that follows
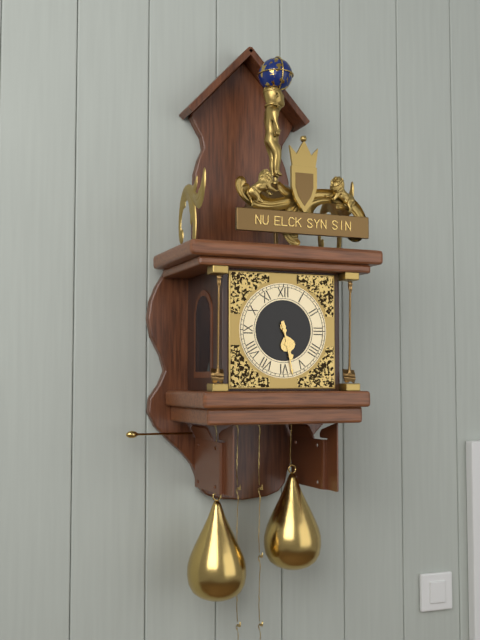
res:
5:28
